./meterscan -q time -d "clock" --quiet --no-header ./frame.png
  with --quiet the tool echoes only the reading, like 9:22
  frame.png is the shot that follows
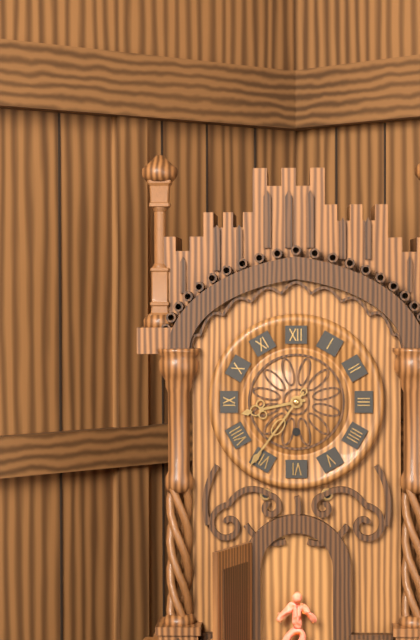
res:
8:36
